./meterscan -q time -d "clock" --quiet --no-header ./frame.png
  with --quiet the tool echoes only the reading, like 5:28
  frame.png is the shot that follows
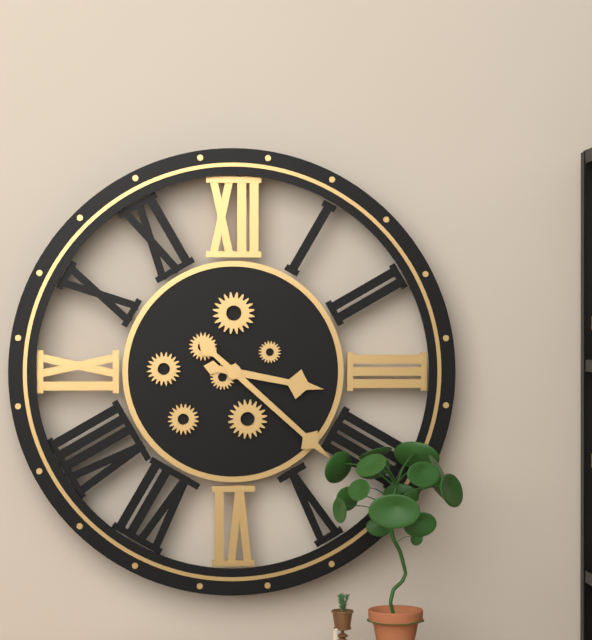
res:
3:22
